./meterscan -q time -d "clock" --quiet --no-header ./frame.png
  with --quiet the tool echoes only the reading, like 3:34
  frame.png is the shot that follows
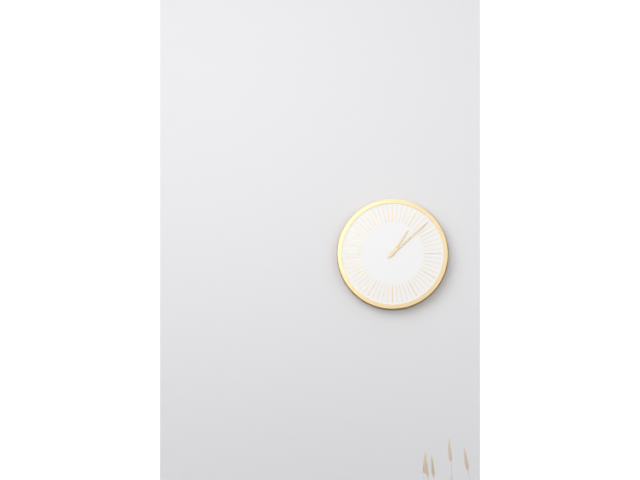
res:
1:08
